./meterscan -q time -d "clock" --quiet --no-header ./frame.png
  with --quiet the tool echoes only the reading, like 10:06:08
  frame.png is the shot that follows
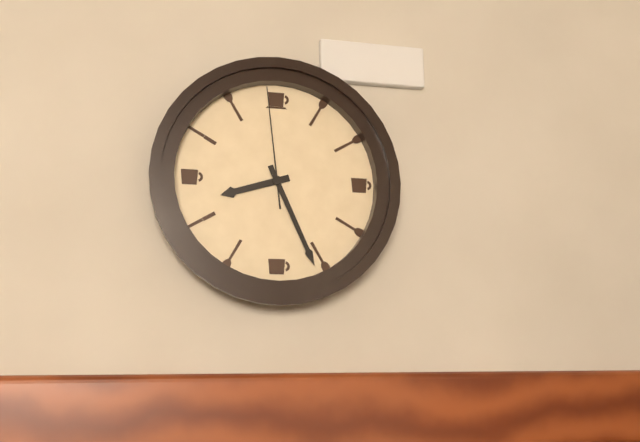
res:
8:26:59
